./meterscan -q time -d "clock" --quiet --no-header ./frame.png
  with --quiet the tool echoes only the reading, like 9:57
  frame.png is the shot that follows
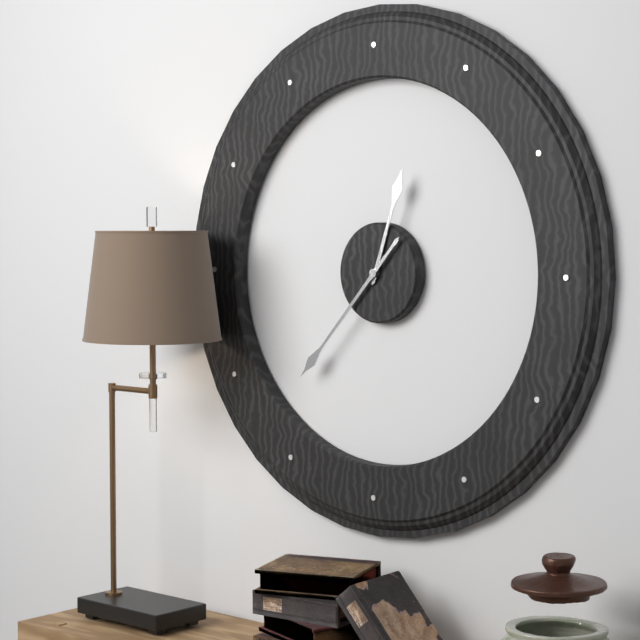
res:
12:37
